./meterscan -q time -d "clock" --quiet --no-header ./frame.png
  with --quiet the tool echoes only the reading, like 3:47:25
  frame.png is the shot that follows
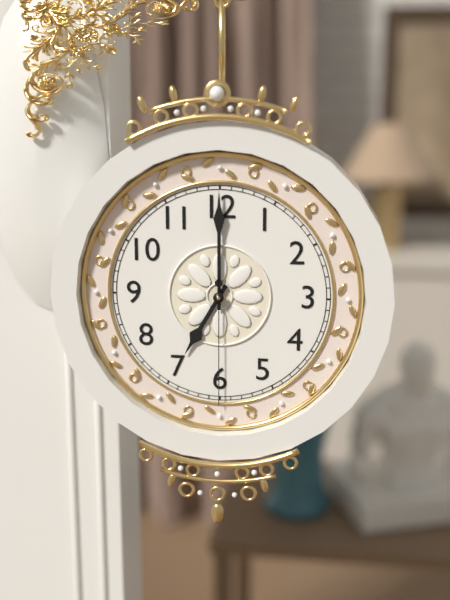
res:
7:00:30
